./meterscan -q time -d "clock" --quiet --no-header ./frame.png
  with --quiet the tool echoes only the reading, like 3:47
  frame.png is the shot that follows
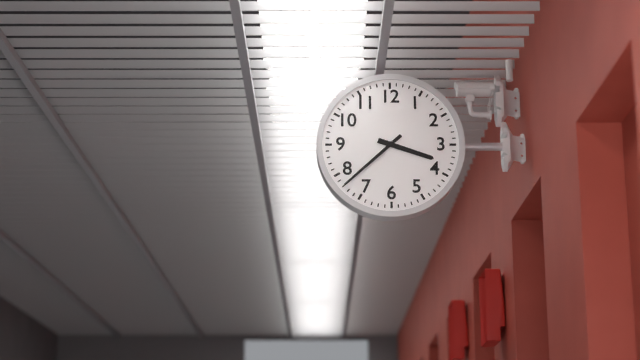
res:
3:38
